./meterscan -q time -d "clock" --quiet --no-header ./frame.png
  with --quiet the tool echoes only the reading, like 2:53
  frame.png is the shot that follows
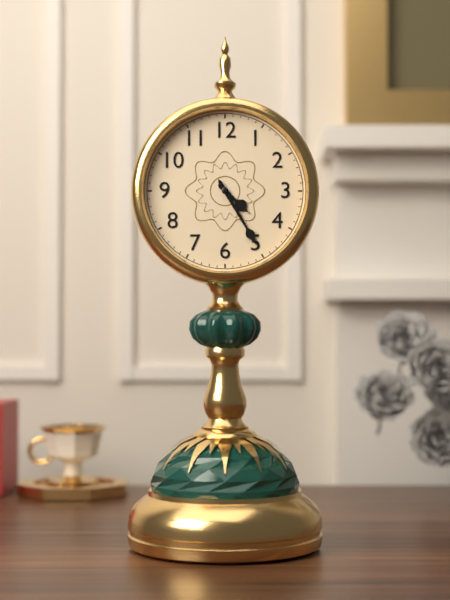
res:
4:25
